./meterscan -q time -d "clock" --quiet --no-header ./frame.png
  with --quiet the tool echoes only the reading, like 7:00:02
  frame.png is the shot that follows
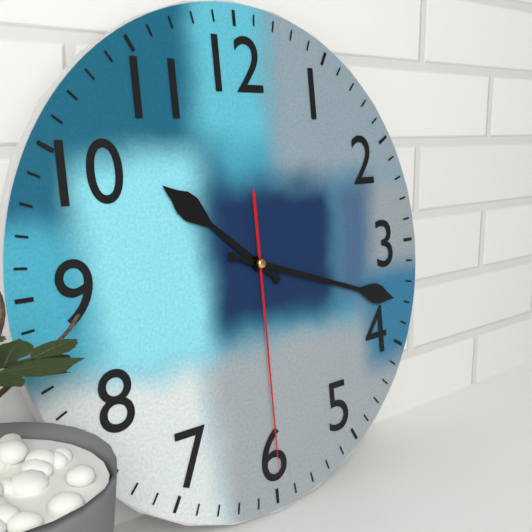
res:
10:18:30
